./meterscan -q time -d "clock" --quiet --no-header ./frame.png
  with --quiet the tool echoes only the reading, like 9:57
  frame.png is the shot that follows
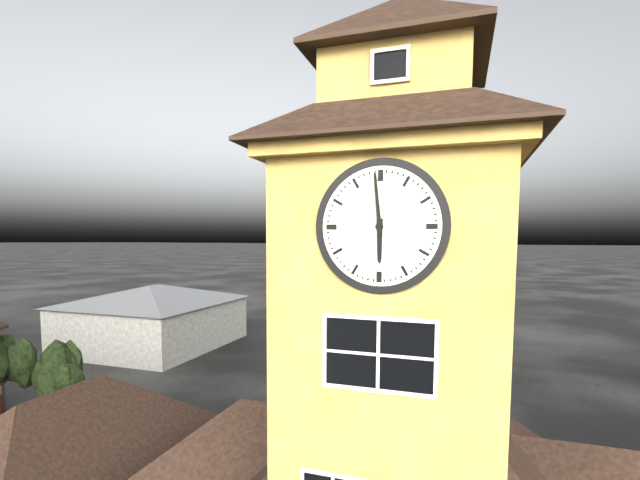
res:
5:59
